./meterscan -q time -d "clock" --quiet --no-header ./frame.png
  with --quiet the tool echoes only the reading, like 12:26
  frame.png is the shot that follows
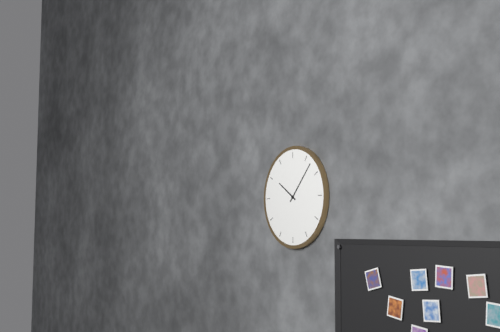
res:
10:07
